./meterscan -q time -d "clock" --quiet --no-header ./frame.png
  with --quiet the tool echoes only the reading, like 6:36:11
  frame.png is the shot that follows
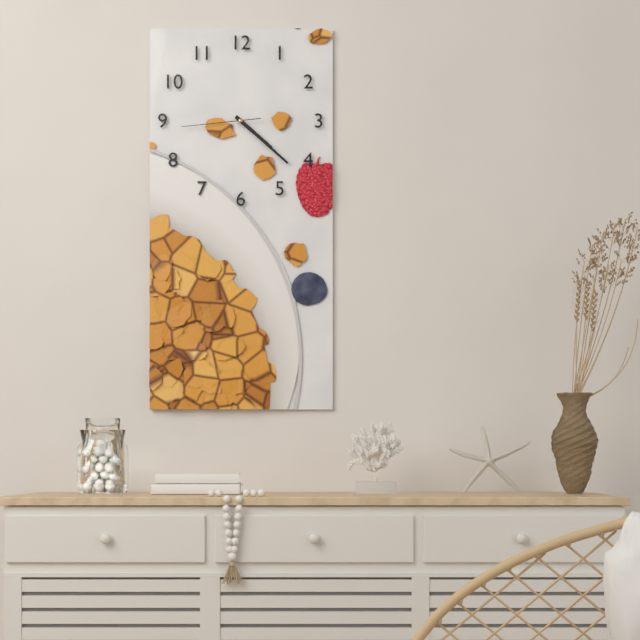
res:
4:22:44
